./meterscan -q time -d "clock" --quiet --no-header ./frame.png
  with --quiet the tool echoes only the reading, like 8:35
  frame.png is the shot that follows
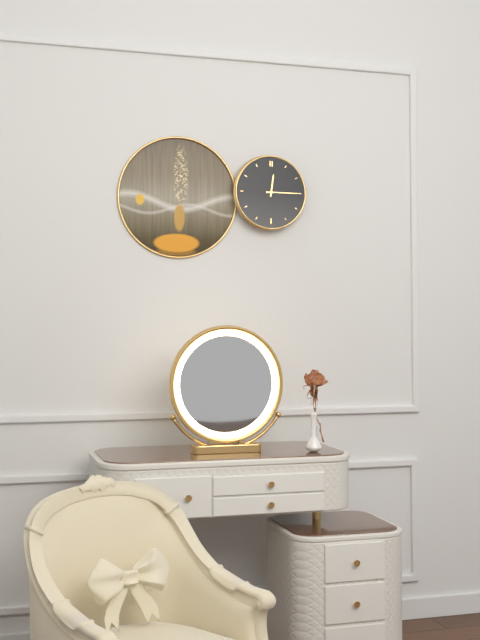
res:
12:15
